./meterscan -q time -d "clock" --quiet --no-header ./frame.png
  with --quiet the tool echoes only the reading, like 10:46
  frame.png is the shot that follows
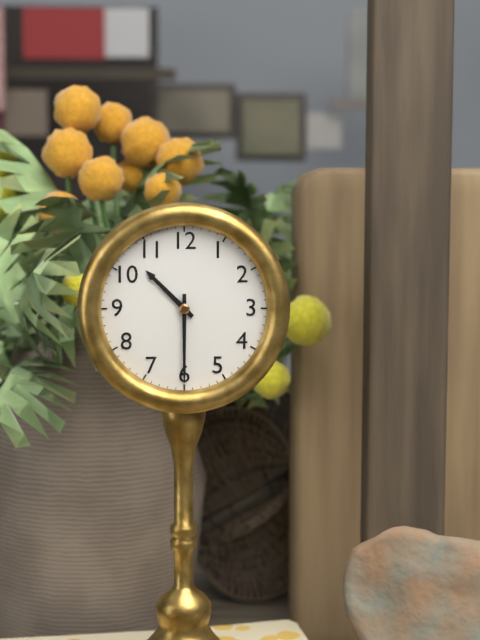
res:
10:30
